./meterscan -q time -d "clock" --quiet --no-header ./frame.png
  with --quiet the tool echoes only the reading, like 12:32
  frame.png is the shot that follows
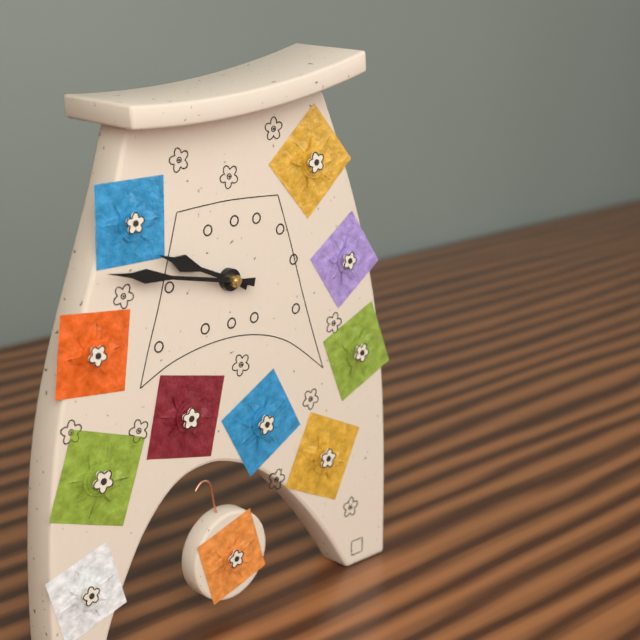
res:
9:47
